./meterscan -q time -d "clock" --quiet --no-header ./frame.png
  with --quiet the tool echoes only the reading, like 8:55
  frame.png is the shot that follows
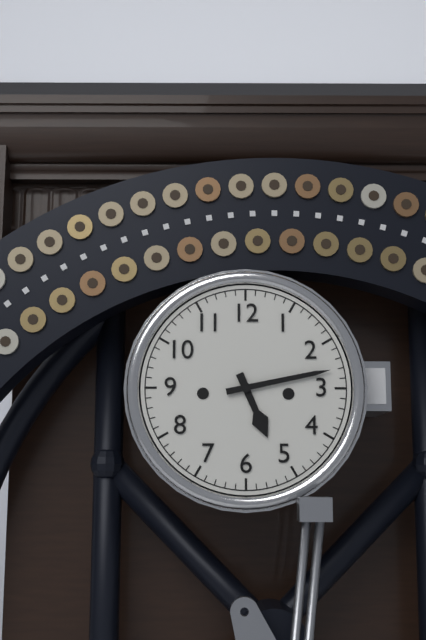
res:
5:13
